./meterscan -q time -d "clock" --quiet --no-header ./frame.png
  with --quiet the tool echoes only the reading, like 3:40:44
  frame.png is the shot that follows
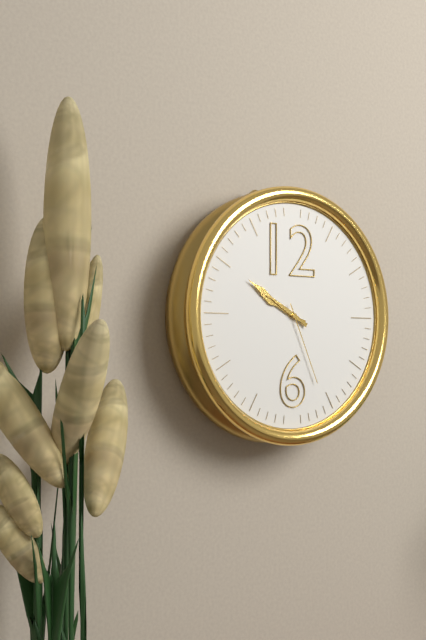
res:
9:50:26
